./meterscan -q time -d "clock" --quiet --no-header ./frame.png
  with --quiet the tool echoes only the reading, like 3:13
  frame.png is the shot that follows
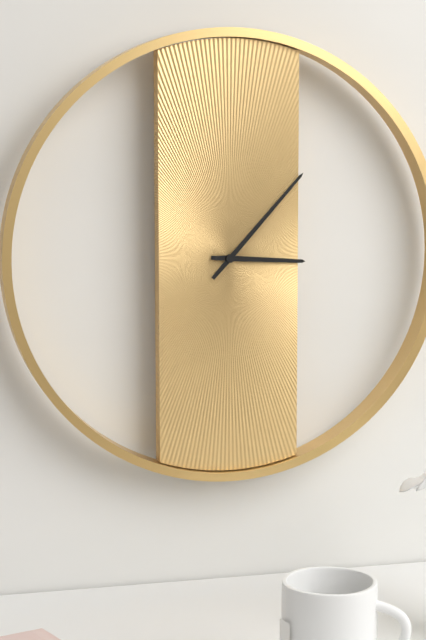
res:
3:07
